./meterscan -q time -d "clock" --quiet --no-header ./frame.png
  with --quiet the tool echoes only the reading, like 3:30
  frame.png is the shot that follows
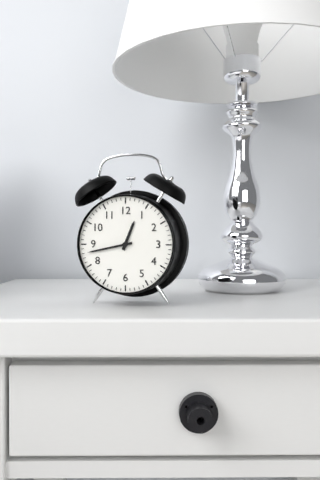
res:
12:43
